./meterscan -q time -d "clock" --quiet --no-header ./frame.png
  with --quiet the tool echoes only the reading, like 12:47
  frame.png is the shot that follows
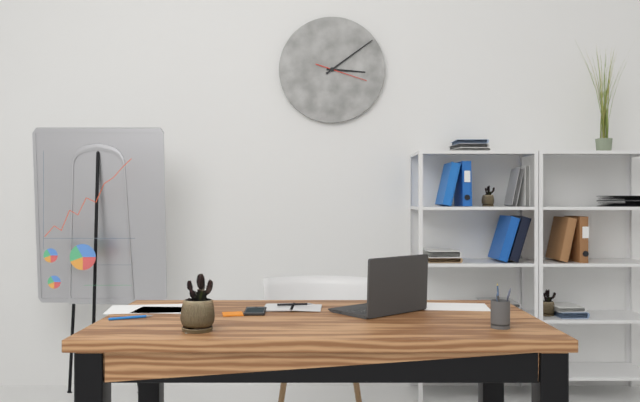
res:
3:09
